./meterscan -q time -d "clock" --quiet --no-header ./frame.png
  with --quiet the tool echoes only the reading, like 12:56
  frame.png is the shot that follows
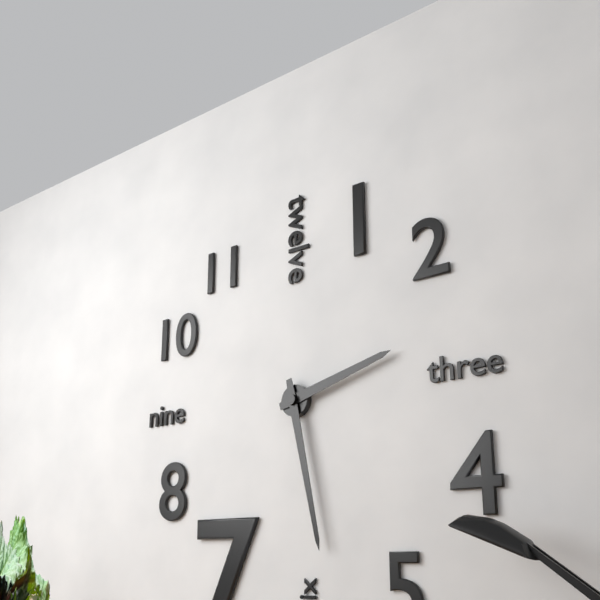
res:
2:28
